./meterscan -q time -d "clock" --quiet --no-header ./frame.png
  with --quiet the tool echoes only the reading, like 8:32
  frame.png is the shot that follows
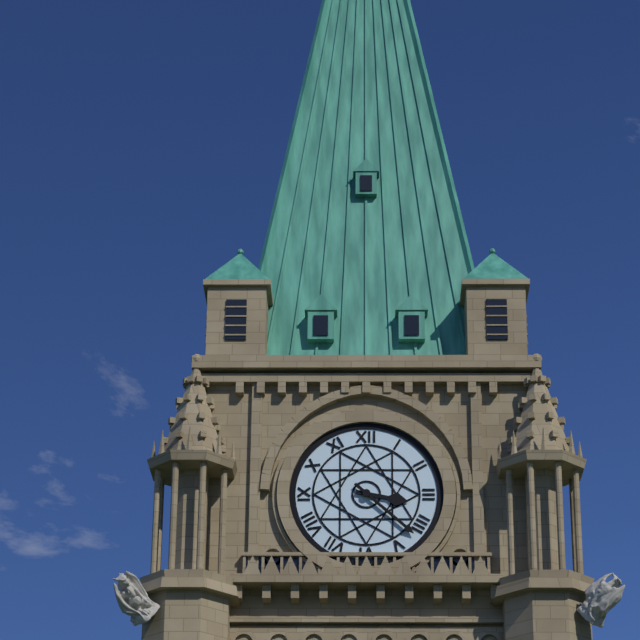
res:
3:22
